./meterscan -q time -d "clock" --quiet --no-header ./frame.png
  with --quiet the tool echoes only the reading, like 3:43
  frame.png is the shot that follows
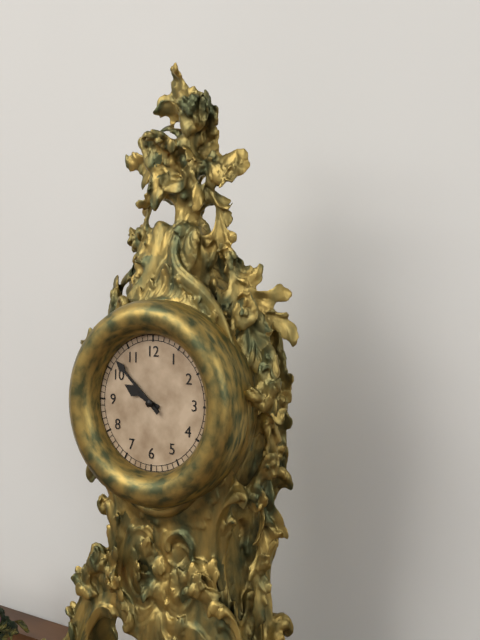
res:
9:52
